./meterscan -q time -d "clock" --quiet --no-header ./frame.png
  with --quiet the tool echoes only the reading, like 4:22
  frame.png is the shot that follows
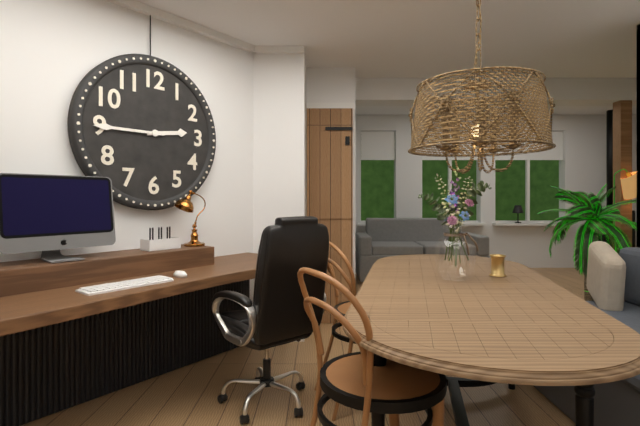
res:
2:45
